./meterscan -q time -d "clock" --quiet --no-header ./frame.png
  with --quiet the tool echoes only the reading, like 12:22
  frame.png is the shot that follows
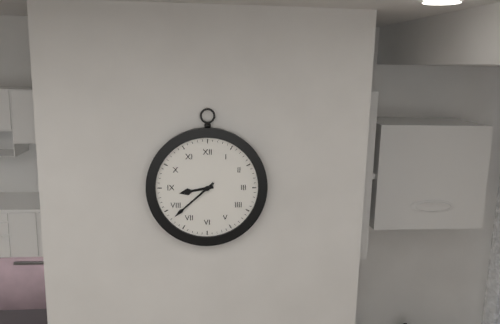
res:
8:38
